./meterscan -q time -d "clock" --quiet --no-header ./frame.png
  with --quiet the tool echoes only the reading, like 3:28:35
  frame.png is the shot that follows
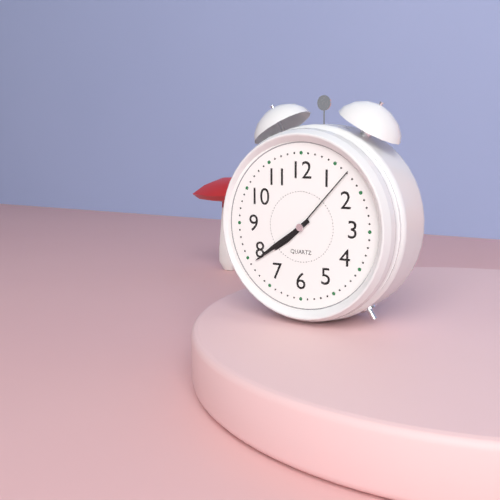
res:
7:39:07
